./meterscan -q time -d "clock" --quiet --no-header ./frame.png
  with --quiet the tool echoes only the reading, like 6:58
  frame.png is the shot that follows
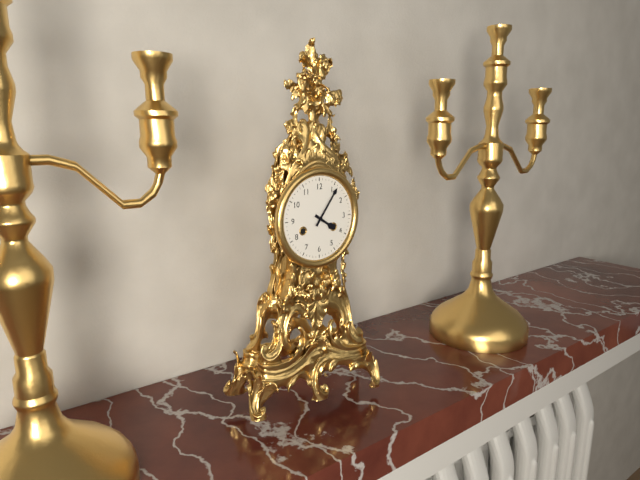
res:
4:06
